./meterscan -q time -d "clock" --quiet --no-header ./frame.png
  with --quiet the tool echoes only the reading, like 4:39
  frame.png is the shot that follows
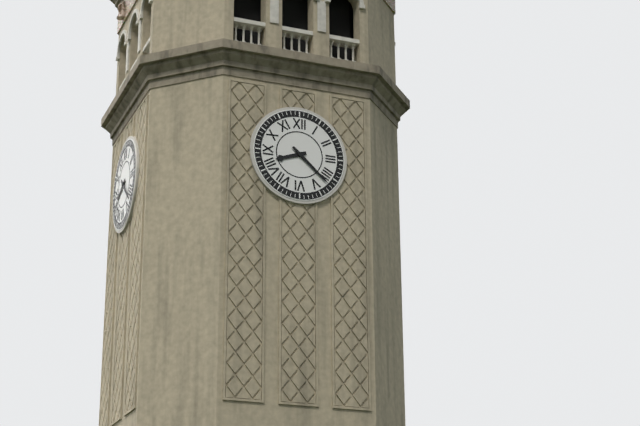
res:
8:22
